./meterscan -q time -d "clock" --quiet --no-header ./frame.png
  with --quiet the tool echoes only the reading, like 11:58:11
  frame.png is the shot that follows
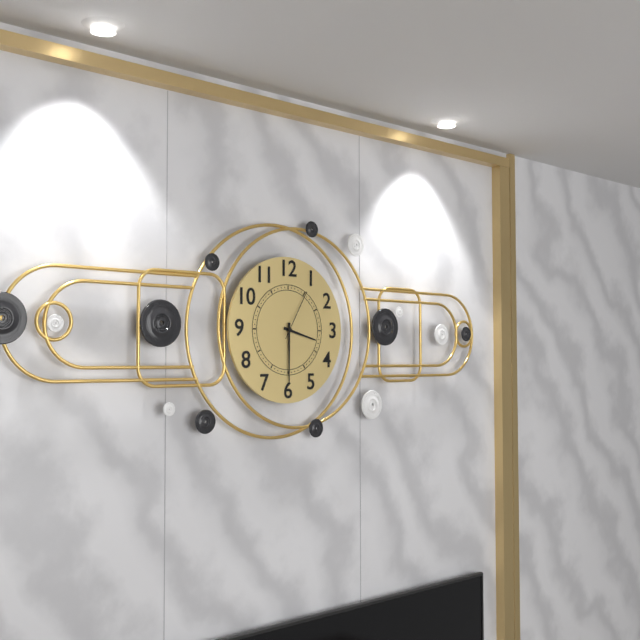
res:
3:30:05
